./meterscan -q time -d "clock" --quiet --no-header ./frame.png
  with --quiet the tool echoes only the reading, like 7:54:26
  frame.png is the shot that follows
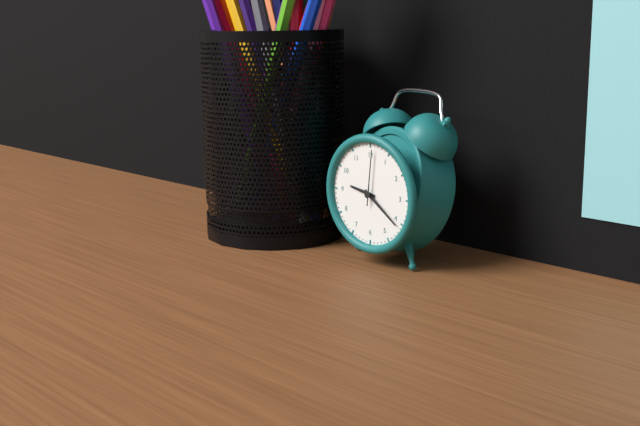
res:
9:21:01
